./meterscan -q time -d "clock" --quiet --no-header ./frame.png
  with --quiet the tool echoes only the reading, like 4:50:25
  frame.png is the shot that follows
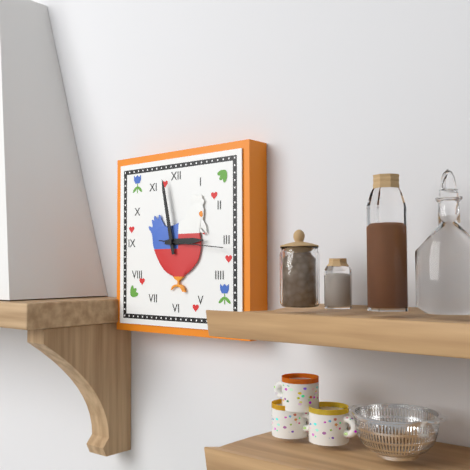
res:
2:58:16
